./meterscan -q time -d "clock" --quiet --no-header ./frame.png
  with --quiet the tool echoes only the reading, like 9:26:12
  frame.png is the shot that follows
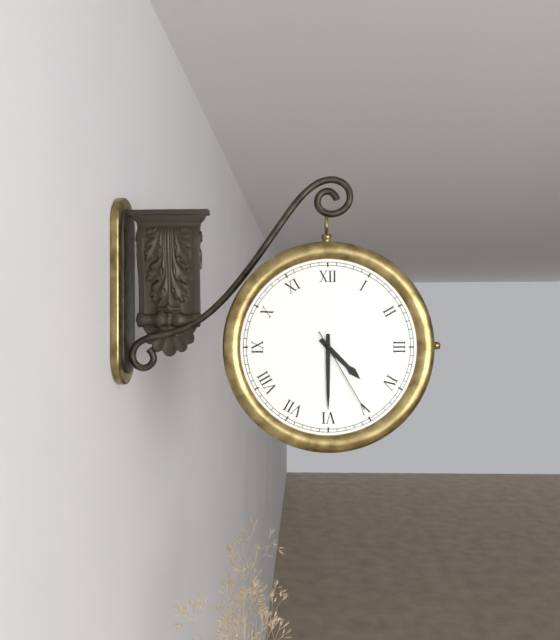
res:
4:30:25
